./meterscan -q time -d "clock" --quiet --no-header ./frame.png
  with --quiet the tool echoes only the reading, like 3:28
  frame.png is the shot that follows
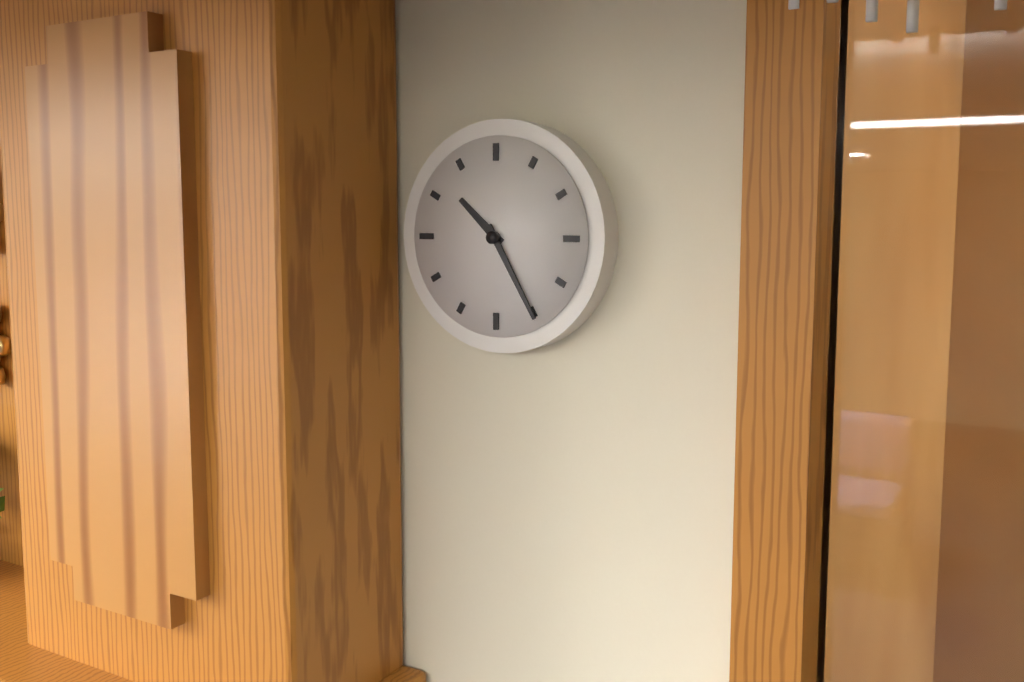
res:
10:25
